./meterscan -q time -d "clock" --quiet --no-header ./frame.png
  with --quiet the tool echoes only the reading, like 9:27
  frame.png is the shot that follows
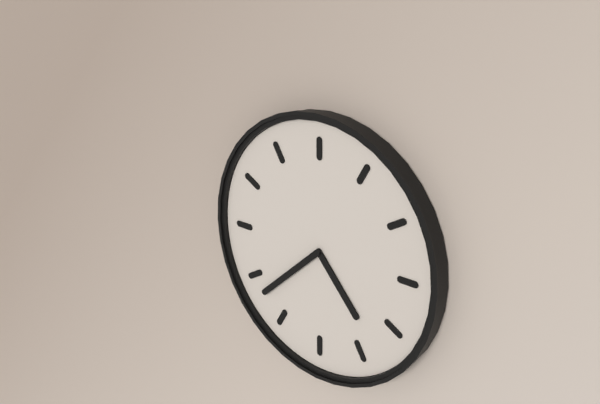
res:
4:38
